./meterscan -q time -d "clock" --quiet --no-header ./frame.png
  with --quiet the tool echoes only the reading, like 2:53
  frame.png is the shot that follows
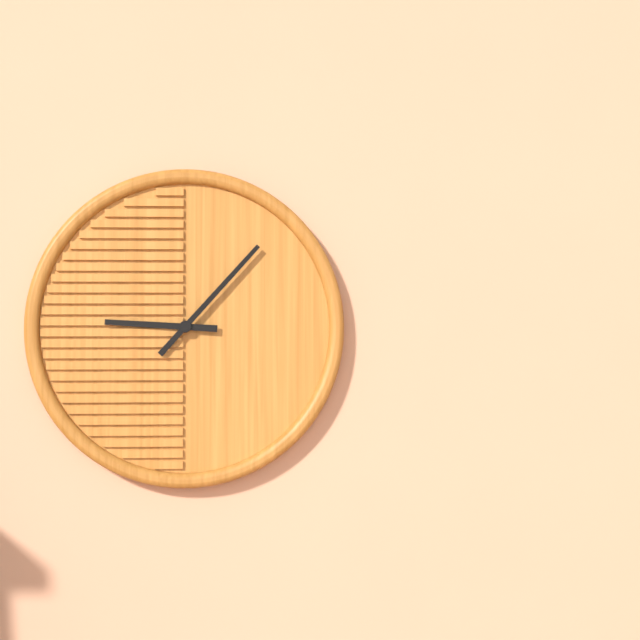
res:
9:07
